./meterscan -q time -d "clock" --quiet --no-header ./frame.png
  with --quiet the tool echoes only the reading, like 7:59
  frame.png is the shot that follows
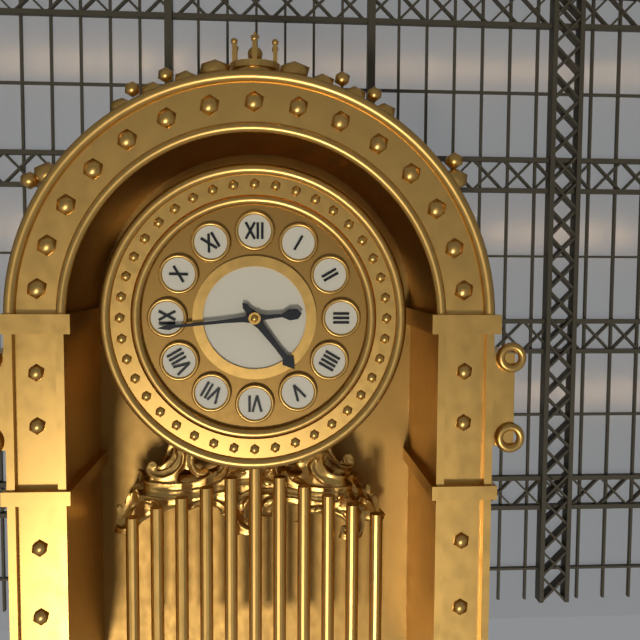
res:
4:44
